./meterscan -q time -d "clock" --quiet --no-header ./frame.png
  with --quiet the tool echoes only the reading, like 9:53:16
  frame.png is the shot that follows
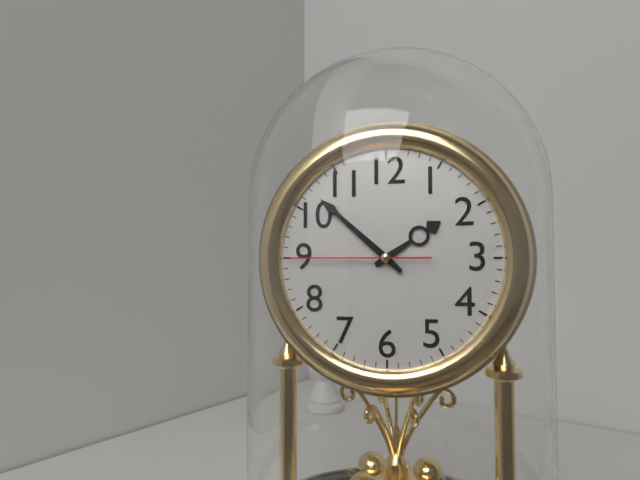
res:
1:52:45
